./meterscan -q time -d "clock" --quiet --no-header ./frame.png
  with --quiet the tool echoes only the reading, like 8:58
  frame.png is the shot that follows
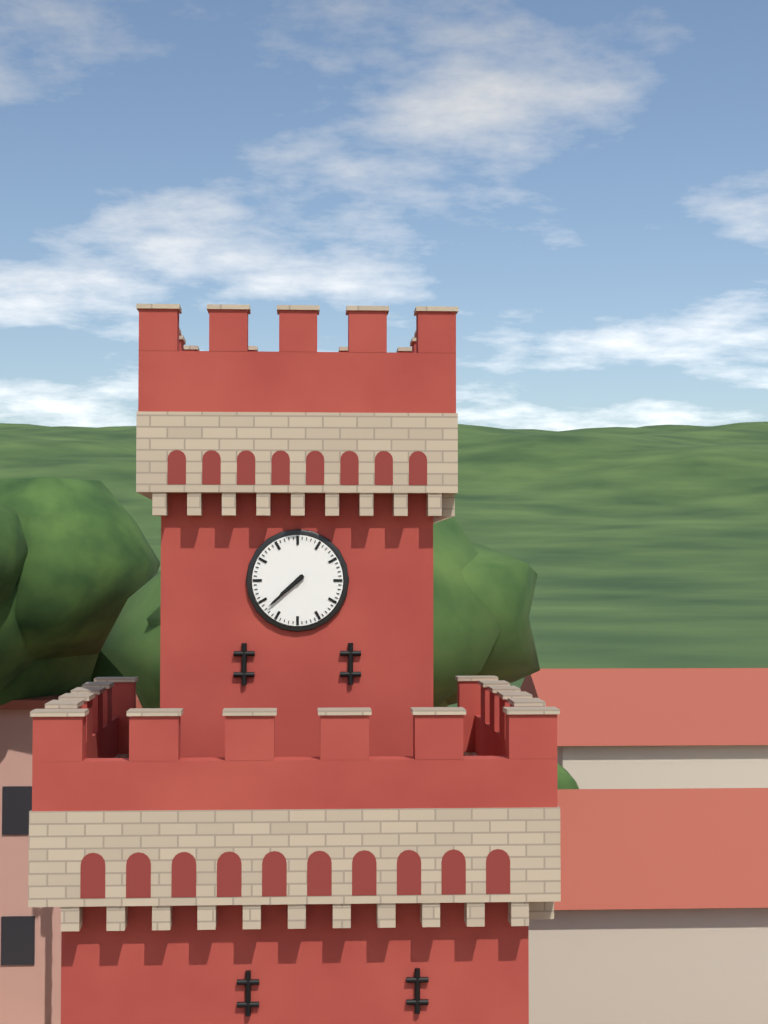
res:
7:38
